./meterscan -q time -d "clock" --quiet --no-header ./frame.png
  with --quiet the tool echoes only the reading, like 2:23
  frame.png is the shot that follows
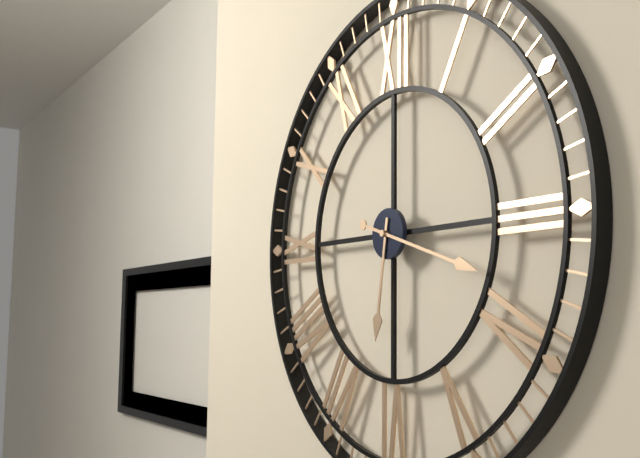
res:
6:18
